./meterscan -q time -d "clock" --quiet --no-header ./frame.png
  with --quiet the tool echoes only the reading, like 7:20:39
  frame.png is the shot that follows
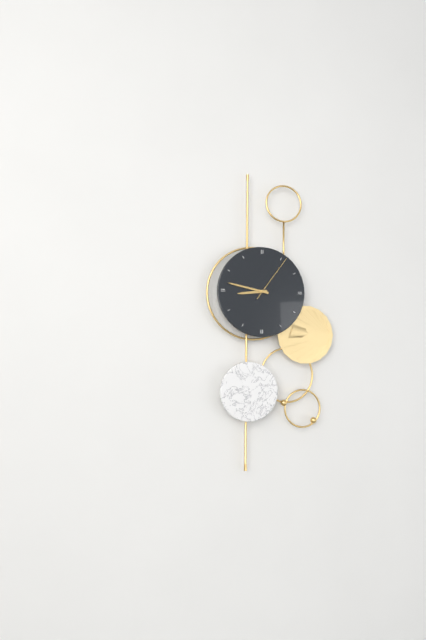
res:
8:47:06
